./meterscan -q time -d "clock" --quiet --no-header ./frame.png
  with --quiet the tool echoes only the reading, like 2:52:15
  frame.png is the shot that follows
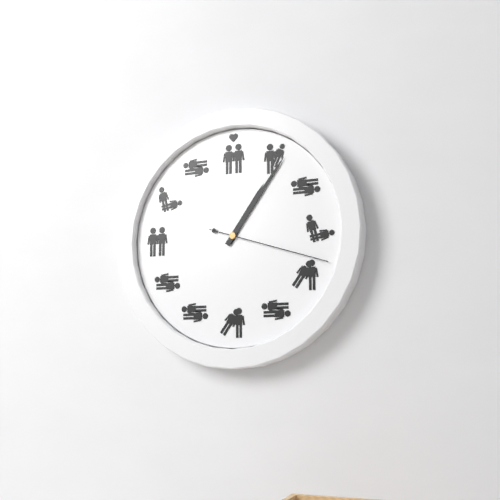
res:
1:06:18
